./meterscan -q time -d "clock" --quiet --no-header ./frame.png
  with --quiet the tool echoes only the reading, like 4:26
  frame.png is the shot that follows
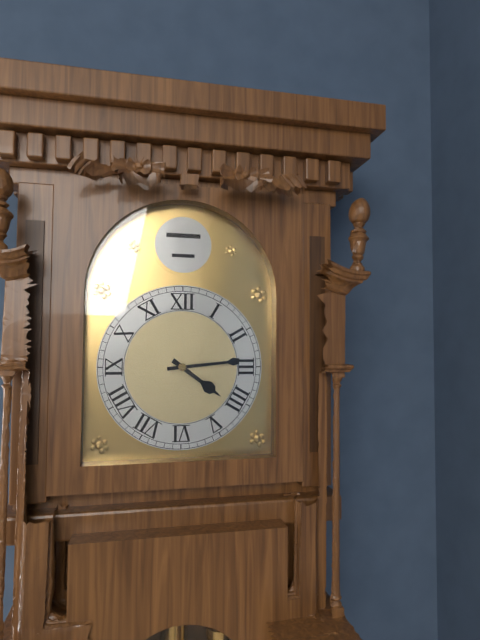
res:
4:14
